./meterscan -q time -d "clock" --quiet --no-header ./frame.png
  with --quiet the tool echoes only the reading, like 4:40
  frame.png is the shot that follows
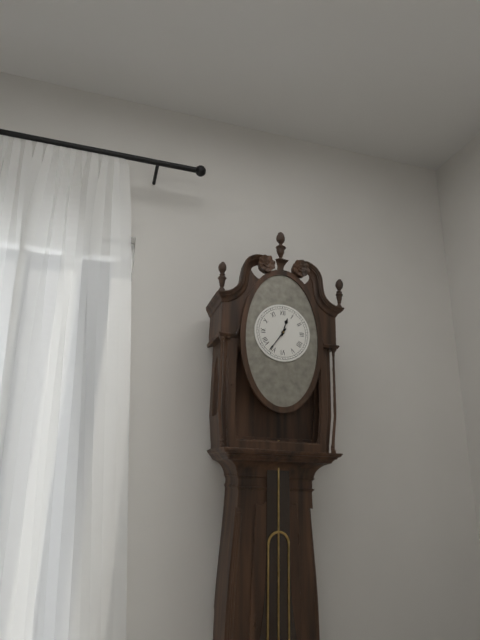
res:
12:36
